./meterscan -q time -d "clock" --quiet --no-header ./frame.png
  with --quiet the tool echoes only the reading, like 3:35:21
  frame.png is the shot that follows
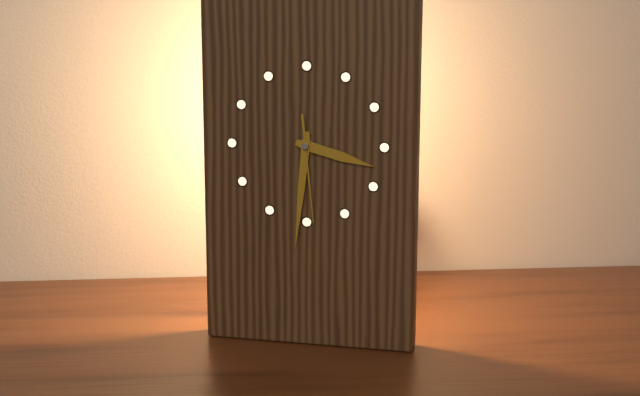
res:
3:31:29
